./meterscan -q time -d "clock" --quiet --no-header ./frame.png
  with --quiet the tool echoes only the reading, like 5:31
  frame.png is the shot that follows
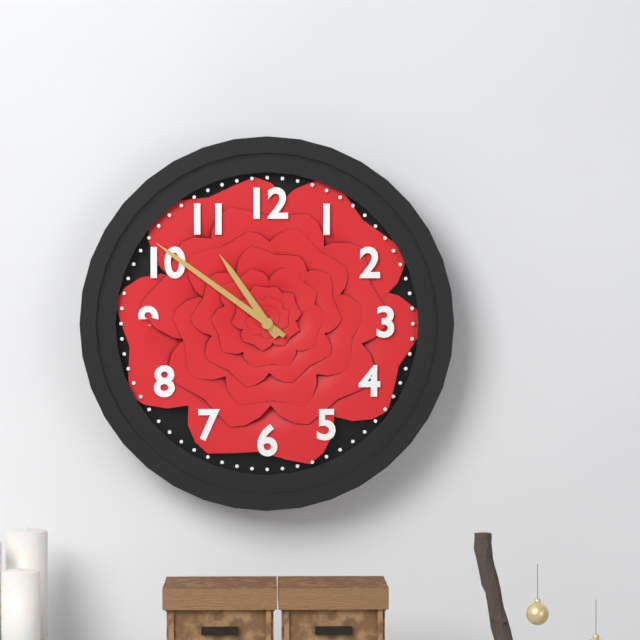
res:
10:51
